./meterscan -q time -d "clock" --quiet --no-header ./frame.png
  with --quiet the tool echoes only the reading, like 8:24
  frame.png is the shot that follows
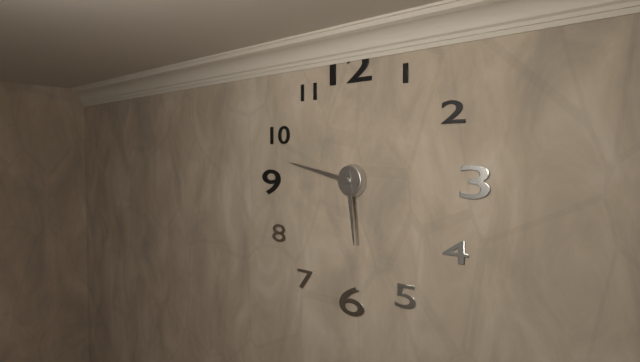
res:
5:47
